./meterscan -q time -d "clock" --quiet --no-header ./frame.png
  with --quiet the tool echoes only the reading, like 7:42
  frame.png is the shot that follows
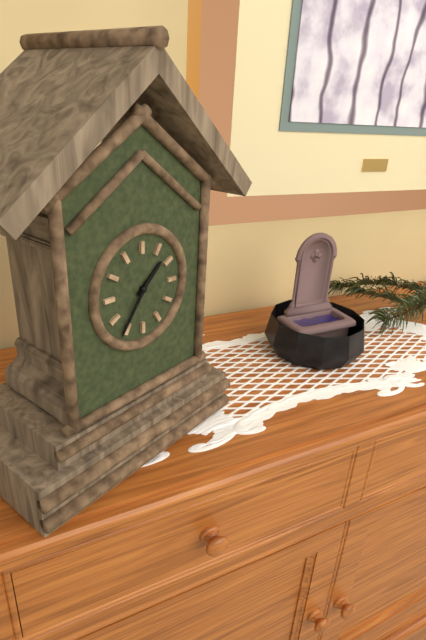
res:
1:36
